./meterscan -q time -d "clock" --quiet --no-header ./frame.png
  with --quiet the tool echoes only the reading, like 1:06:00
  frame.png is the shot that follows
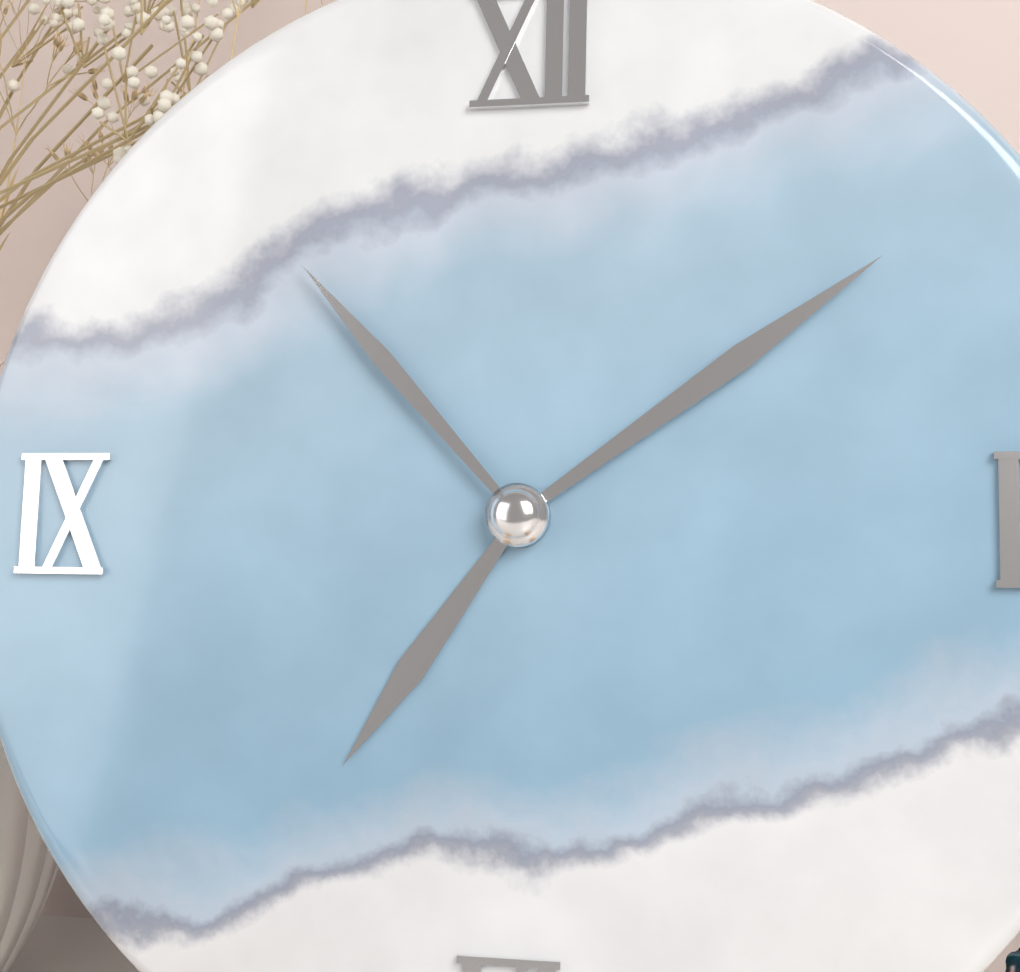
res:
7:09:53
